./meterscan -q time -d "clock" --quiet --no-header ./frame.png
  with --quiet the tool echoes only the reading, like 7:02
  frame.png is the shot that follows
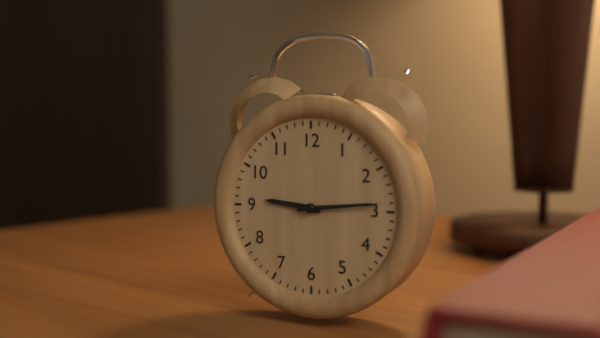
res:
9:14
